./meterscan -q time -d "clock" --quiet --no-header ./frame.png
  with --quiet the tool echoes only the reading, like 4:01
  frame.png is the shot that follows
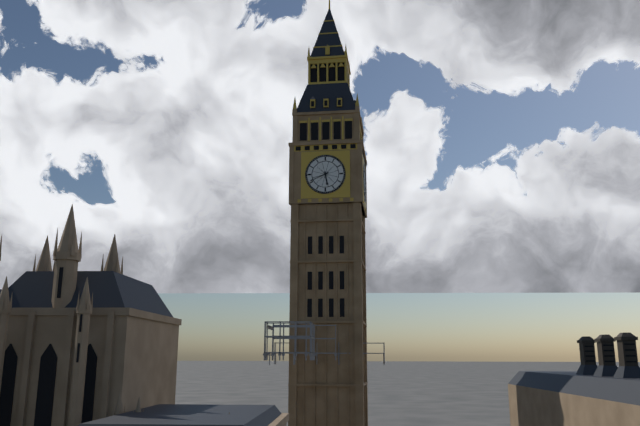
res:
5:41
